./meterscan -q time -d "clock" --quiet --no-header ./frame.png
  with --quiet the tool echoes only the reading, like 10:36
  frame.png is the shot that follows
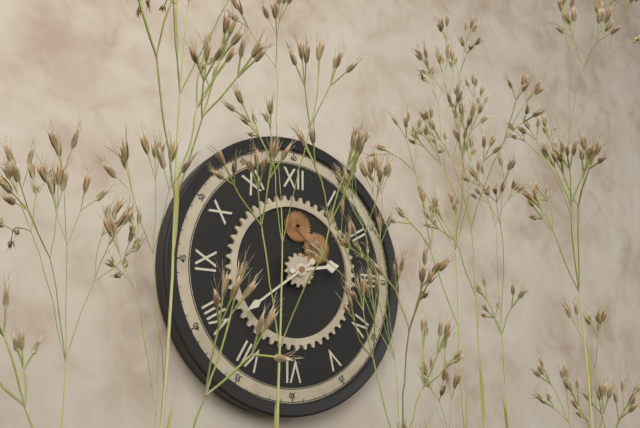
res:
2:39
